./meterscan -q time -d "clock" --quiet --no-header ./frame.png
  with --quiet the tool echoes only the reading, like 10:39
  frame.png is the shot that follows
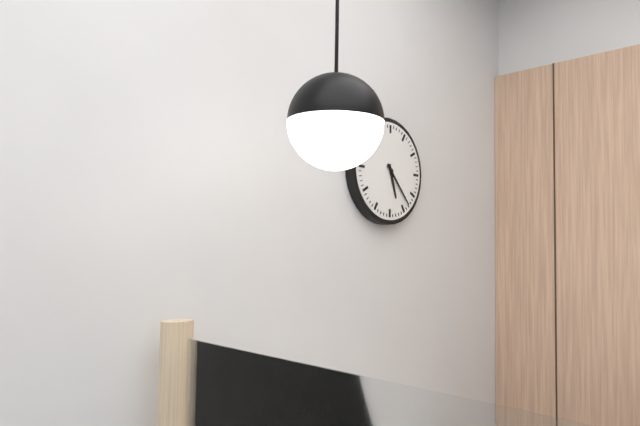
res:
5:23
